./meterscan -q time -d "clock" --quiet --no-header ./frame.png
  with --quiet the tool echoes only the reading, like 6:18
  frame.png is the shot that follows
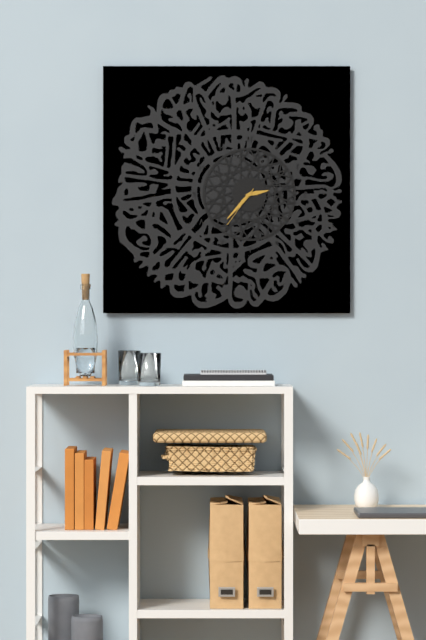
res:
2:37
